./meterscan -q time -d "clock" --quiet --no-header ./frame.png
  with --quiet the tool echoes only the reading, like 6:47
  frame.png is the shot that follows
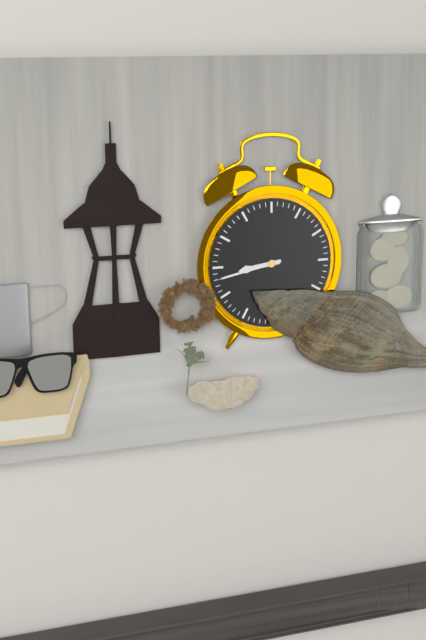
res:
8:43
